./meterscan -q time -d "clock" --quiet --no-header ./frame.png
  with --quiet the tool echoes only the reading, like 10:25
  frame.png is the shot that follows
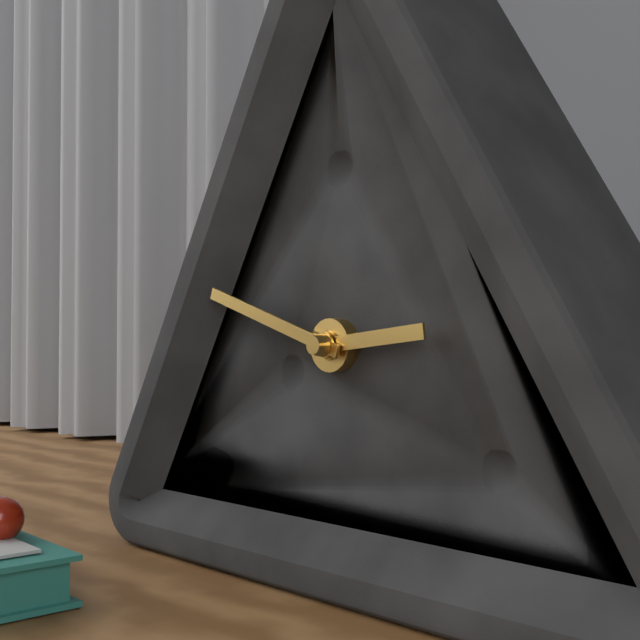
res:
2:48
